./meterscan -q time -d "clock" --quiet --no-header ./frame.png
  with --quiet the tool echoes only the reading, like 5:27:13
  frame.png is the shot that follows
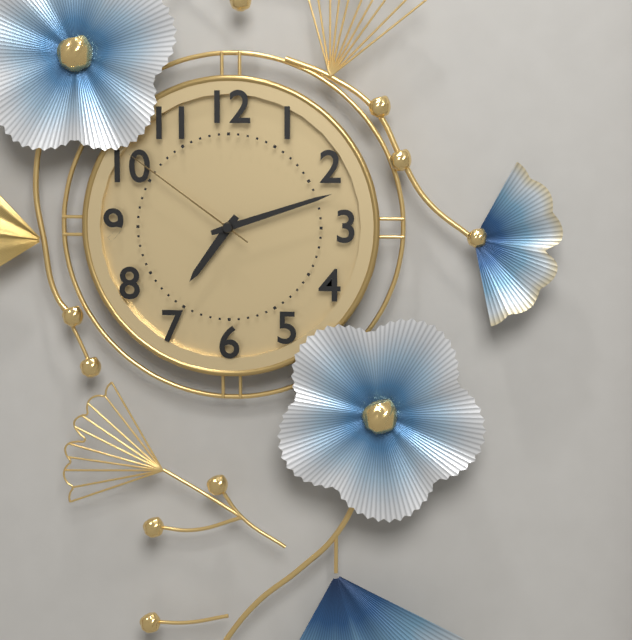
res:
7:12:51
